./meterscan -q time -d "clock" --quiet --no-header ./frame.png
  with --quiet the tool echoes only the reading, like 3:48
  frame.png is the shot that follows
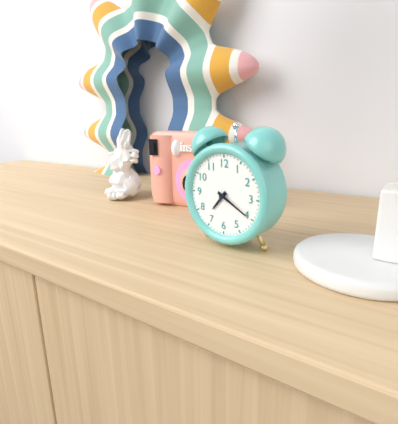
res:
7:20
